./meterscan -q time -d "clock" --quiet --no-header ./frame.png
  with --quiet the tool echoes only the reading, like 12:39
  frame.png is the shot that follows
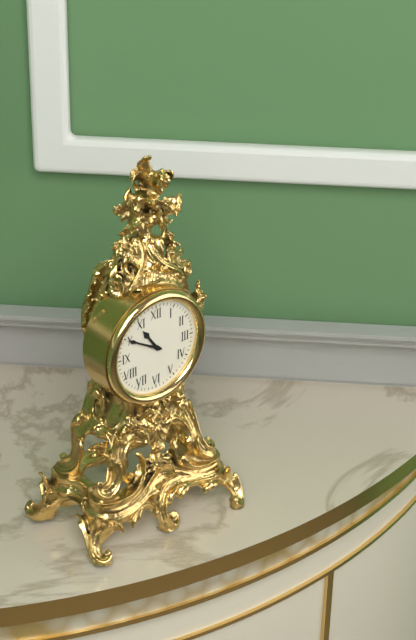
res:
10:50
